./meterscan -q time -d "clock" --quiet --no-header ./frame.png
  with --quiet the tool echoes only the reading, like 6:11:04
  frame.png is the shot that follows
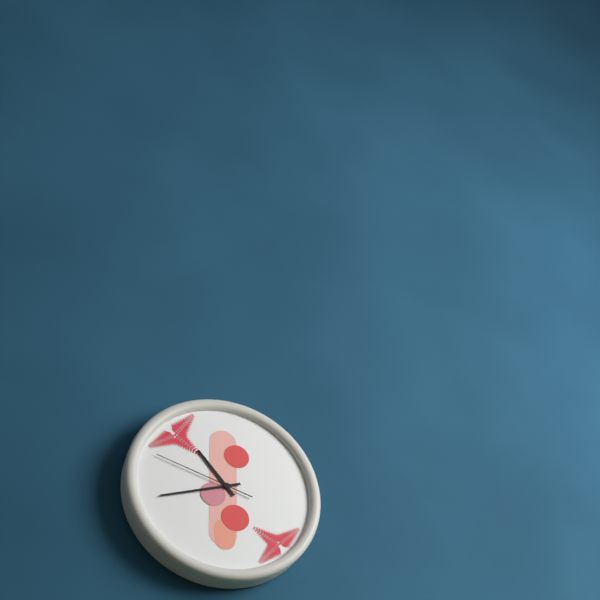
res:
10:42:48
